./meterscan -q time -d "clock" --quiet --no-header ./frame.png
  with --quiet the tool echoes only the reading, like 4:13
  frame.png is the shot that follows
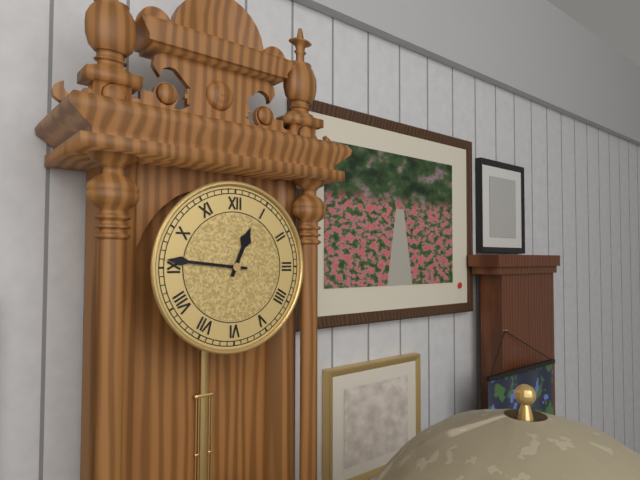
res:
12:46
